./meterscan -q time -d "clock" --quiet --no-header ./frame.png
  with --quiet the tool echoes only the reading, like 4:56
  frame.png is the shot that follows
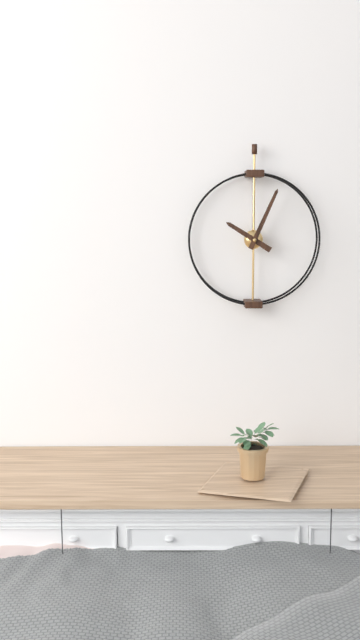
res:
10:04
